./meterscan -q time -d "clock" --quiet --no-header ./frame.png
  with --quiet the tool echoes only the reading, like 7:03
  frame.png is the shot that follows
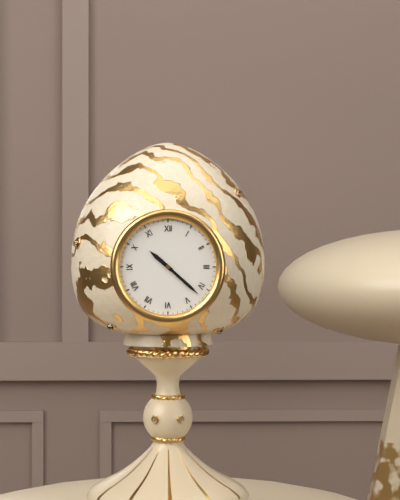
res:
10:22
